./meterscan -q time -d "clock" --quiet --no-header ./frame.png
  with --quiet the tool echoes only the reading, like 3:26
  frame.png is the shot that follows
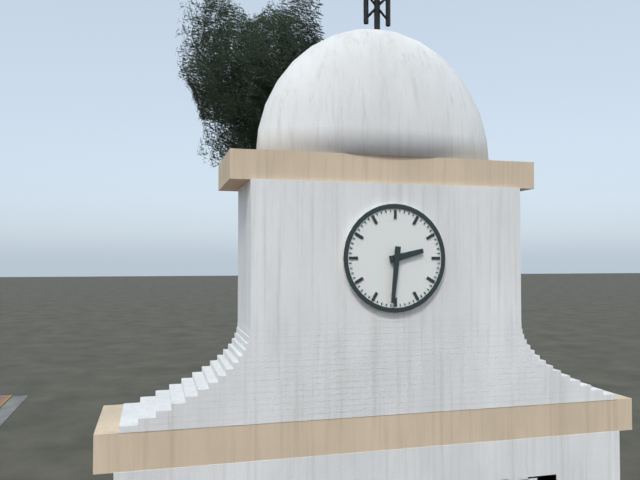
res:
2:31
